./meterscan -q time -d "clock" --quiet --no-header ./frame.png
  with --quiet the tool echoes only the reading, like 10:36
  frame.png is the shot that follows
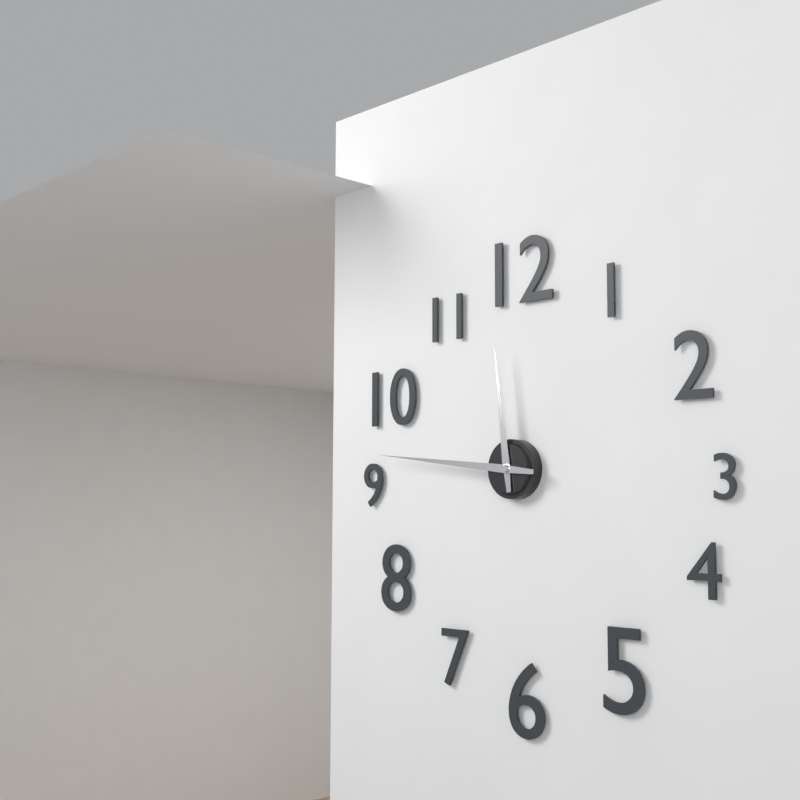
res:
11:46
